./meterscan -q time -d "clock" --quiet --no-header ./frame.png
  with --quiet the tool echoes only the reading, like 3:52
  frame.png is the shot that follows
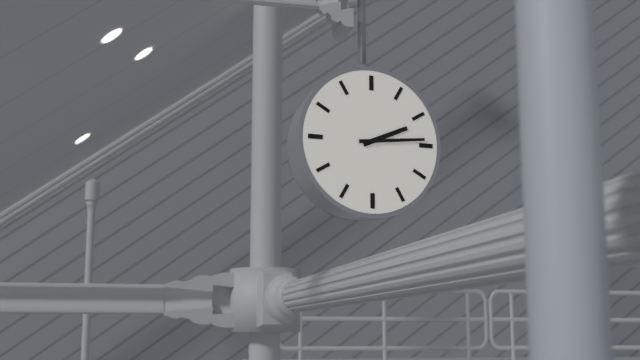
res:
2:14
